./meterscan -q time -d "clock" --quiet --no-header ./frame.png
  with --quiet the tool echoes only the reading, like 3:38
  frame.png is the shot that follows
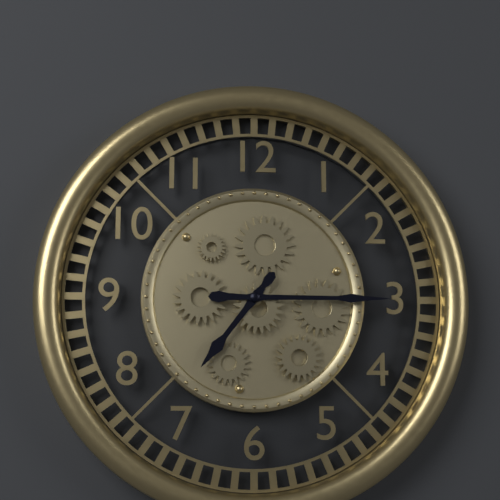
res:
7:15
